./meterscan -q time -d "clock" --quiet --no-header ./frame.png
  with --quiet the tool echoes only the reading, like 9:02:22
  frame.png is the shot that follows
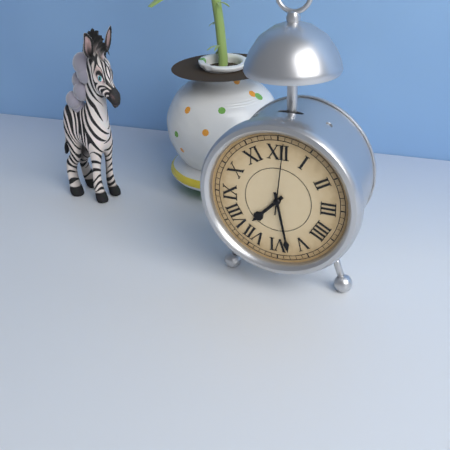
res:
7:28:01
